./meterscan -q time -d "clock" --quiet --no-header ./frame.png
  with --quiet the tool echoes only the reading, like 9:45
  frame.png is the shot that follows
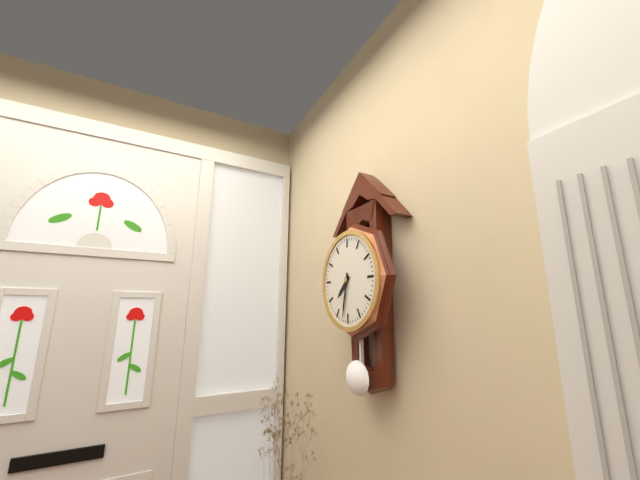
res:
7:32
